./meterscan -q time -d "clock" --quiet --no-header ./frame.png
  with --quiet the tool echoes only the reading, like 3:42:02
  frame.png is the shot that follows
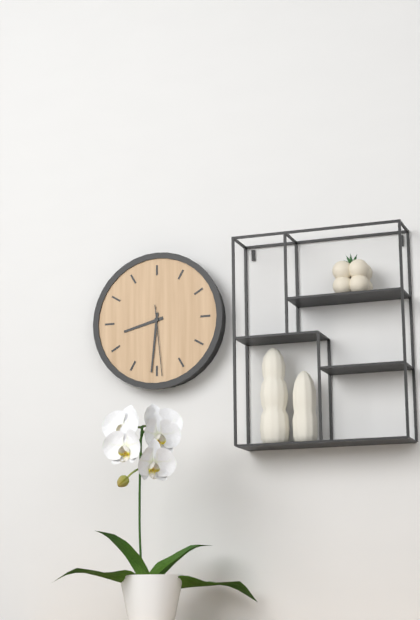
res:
8:31:29
